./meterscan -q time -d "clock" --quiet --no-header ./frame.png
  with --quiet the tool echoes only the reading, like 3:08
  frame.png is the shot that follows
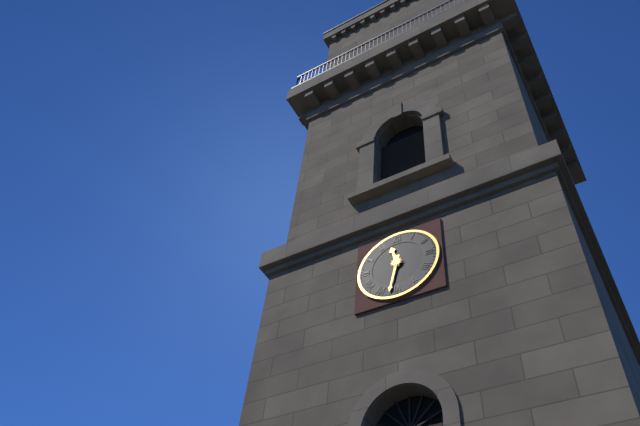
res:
11:32
